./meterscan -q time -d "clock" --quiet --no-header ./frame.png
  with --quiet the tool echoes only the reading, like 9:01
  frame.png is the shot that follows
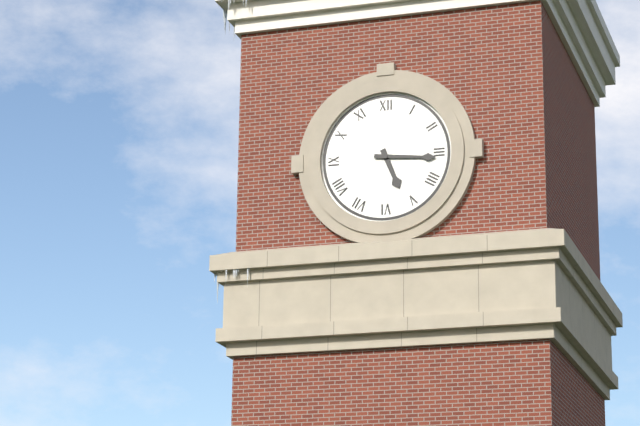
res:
5:16
